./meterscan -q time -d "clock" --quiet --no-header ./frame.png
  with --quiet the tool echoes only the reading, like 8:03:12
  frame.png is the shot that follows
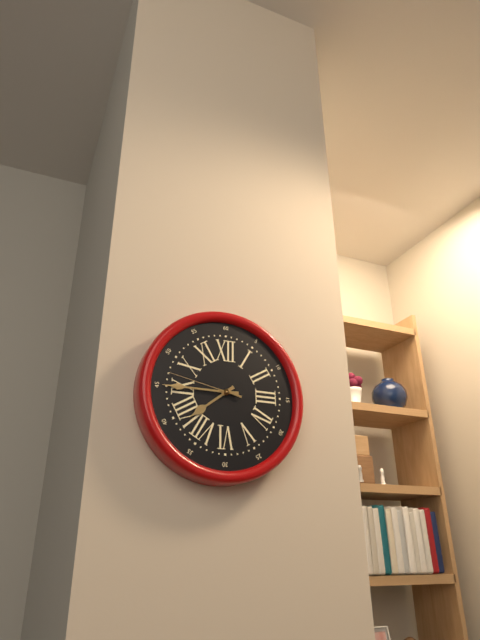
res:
7:45:47
